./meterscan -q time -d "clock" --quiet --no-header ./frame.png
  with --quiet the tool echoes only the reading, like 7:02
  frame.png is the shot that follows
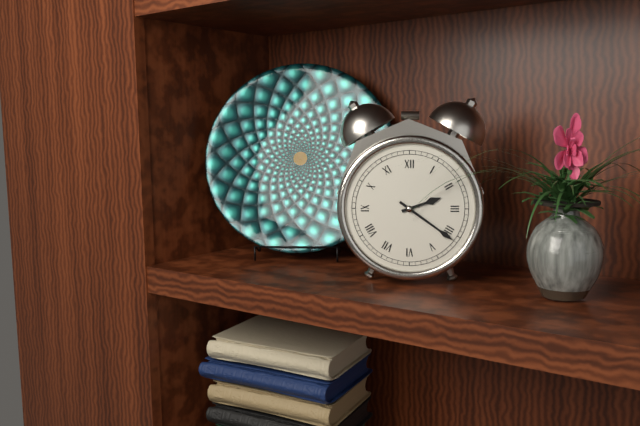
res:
2:21
